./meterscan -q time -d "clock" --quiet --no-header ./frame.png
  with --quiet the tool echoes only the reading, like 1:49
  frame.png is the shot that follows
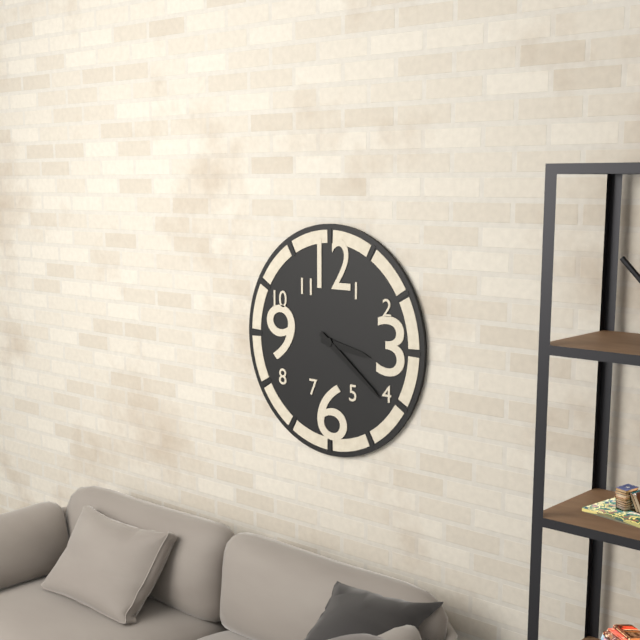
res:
3:21
